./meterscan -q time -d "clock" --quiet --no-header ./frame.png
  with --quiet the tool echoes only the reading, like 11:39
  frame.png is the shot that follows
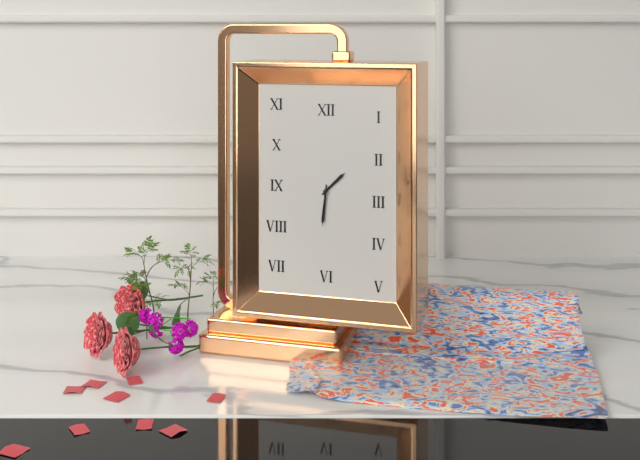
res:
1:31
